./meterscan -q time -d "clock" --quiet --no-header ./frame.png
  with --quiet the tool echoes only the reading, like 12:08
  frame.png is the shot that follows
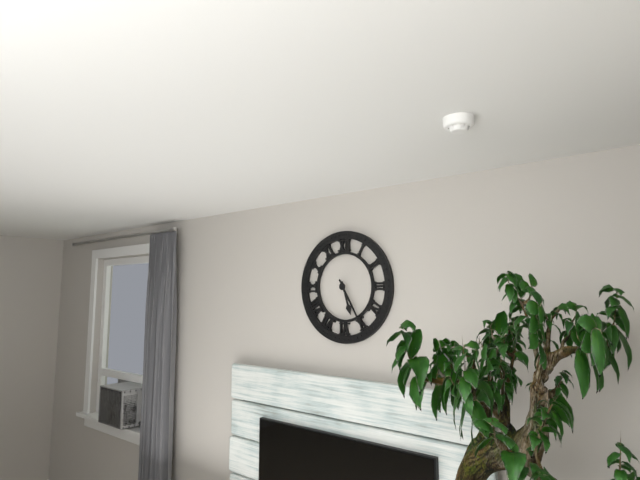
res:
5:25
